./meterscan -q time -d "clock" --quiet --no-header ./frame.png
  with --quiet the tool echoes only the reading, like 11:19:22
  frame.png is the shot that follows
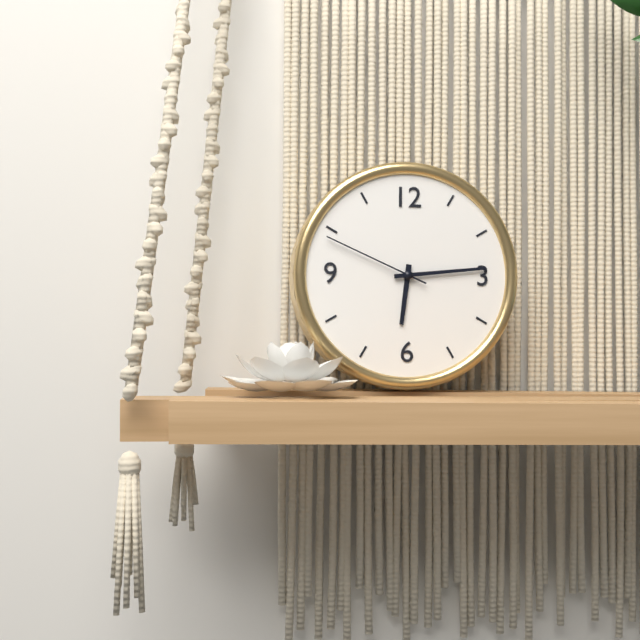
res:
6:14:49
